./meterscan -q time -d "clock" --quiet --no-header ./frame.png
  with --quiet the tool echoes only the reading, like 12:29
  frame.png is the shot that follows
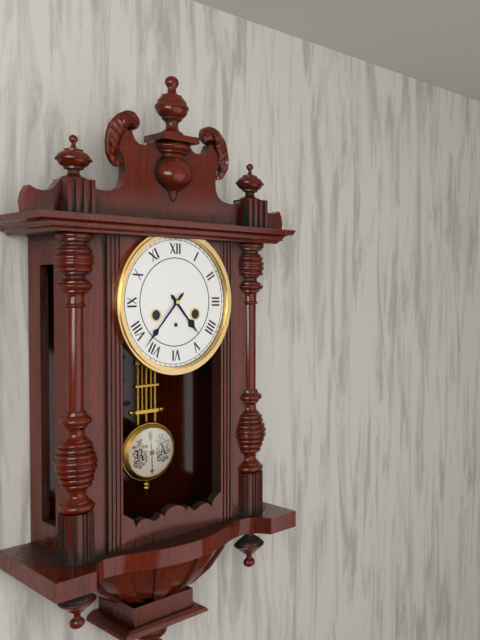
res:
4:37
